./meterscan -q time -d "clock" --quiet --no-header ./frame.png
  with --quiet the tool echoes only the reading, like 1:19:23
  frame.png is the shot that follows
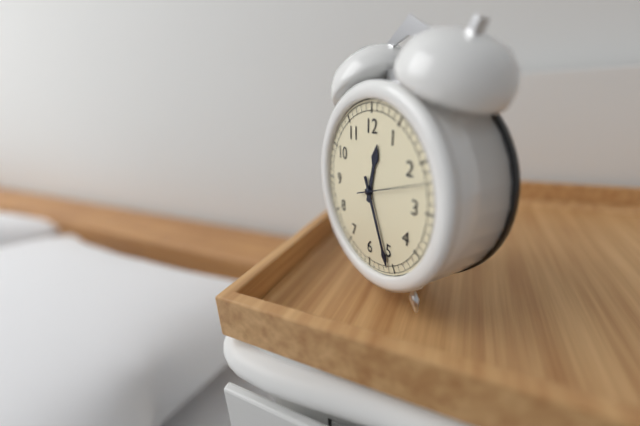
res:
12:26:12
